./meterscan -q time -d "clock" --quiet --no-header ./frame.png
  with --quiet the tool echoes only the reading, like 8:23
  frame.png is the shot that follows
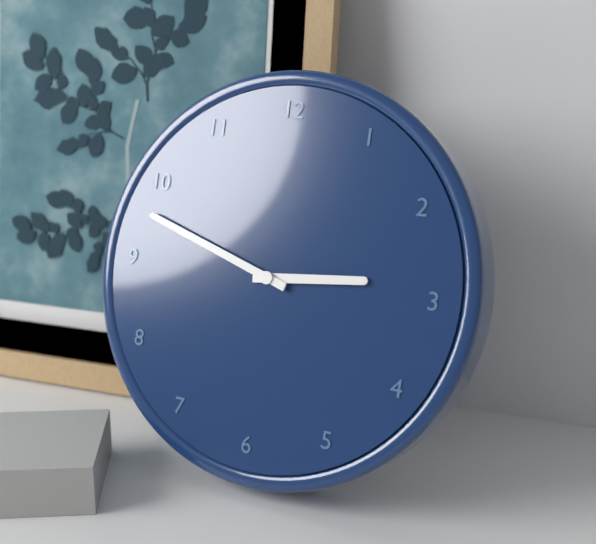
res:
2:48
